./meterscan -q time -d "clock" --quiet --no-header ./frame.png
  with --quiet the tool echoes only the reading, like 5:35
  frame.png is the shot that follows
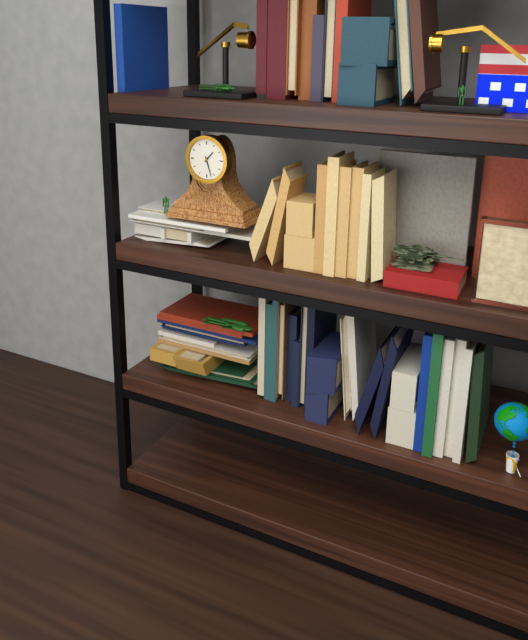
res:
1:27
